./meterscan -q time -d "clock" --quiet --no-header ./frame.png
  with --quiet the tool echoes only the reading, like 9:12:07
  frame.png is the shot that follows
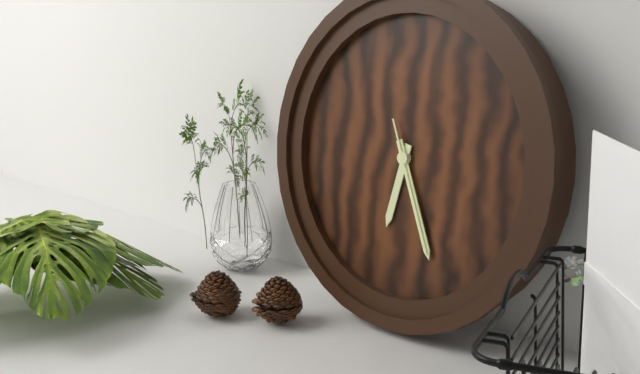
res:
6:26:26
